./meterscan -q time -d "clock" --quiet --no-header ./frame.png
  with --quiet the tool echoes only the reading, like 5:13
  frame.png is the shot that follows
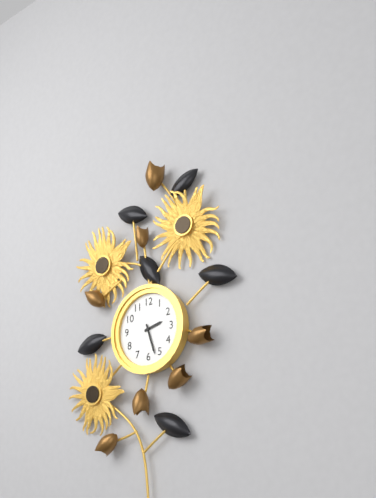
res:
2:27
